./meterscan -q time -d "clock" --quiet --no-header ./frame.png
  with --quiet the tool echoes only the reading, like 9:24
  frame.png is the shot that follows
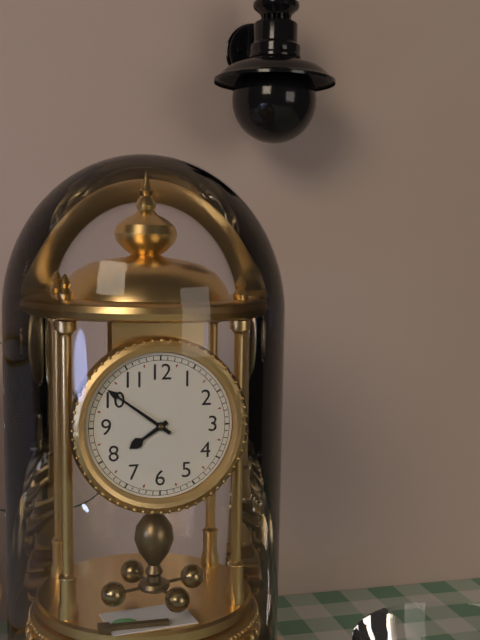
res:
7:51
